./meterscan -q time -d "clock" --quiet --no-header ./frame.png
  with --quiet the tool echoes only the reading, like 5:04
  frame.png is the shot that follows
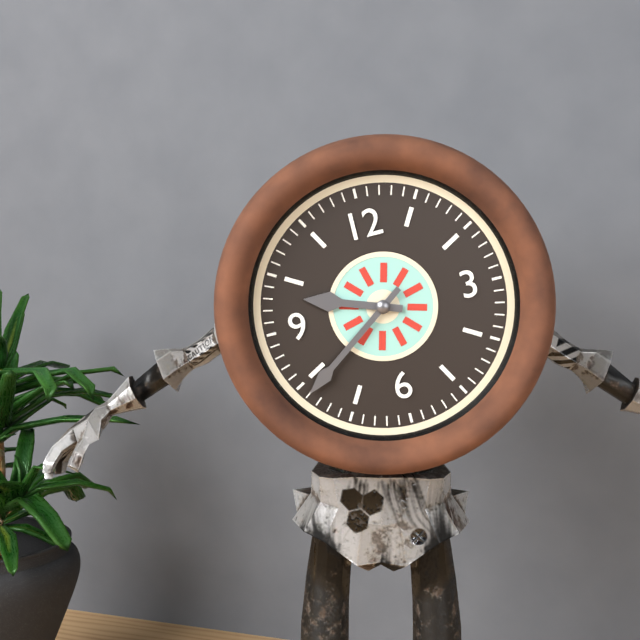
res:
9:39
